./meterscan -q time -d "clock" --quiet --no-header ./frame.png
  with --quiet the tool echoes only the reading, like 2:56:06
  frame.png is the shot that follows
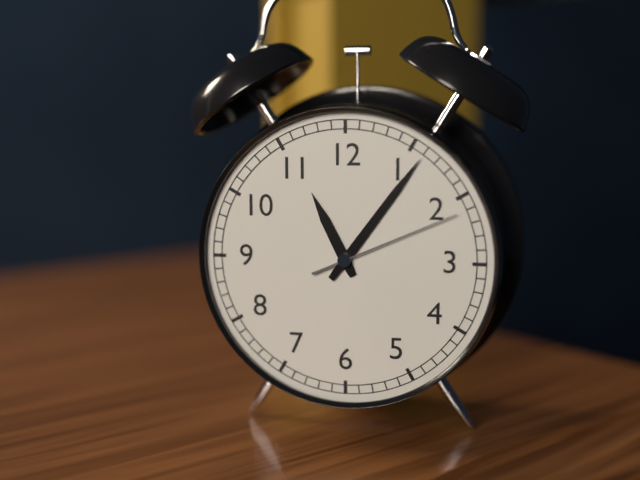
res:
11:06:11
